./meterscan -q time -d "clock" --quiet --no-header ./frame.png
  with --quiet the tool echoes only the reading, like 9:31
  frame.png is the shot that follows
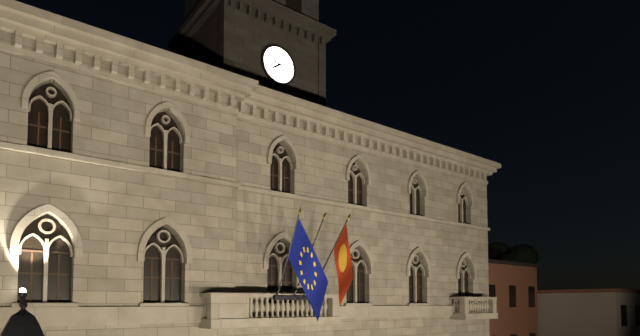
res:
7:48
